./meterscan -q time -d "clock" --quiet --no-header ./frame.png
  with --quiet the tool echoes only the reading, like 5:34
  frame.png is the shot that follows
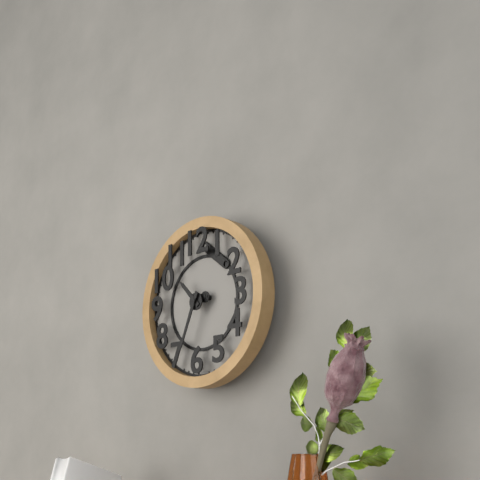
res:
10:34
